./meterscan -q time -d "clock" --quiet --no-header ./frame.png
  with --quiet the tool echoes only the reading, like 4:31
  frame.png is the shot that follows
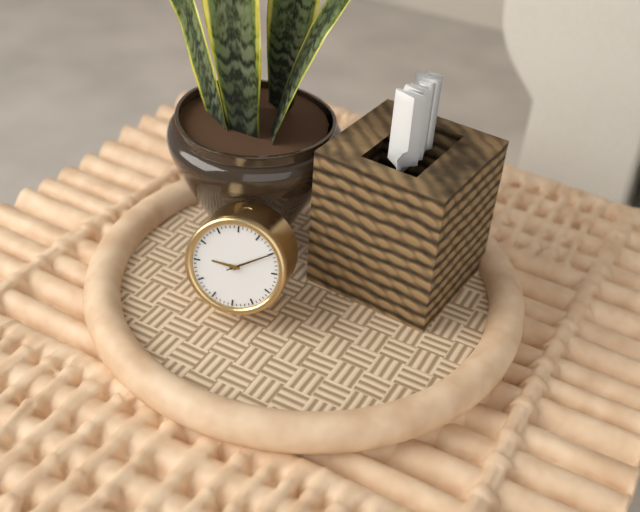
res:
9:10
